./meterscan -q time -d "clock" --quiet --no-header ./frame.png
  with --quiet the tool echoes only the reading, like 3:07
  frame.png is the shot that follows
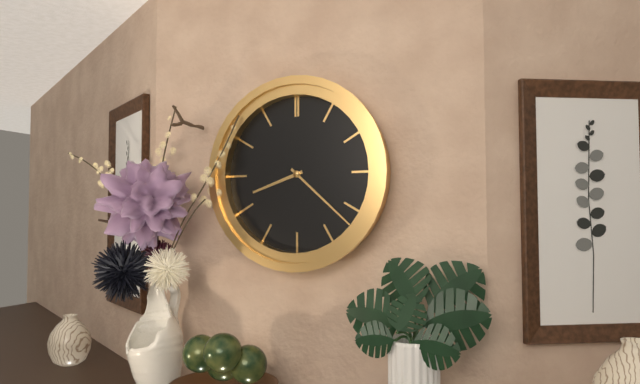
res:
8:22
